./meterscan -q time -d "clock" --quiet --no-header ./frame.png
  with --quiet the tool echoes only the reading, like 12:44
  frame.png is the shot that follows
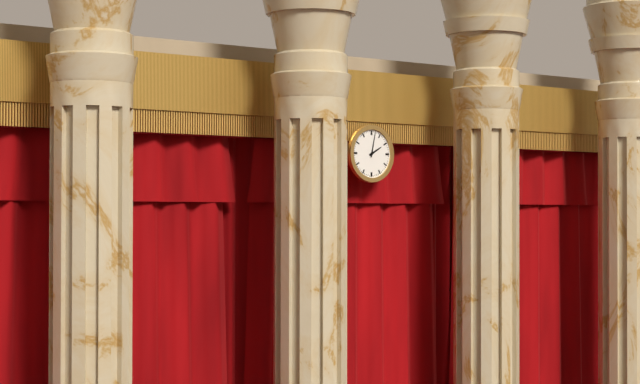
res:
2:02
